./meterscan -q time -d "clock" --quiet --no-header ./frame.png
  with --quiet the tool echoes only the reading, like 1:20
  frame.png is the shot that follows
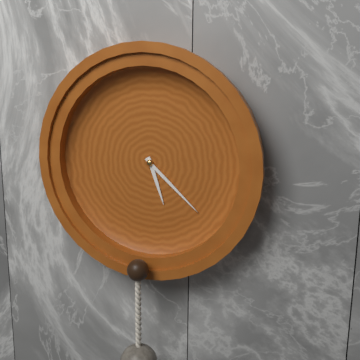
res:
5:22
